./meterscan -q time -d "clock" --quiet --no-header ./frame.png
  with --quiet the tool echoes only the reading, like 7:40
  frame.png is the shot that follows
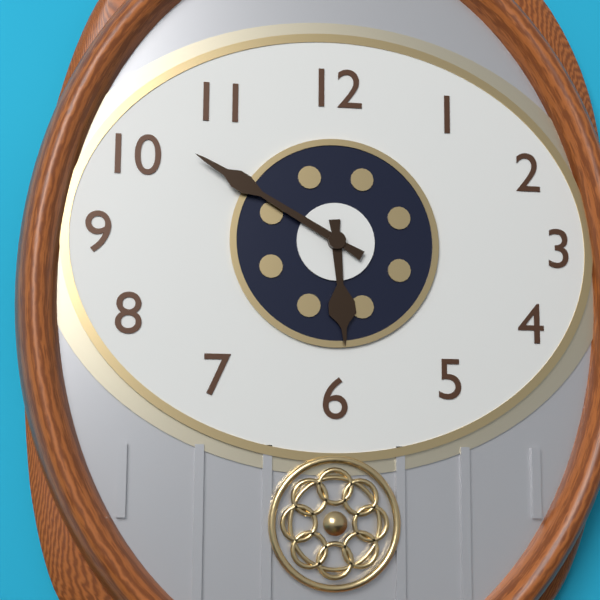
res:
5:50
